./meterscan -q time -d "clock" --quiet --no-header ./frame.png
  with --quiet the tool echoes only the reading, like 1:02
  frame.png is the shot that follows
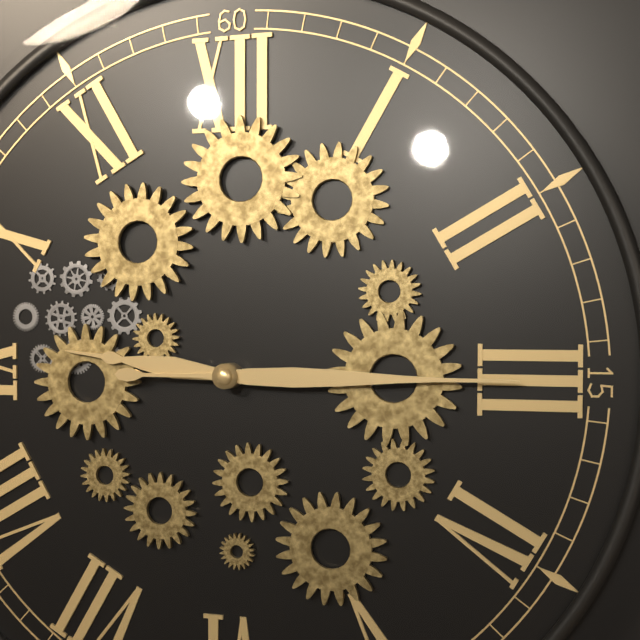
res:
9:15
